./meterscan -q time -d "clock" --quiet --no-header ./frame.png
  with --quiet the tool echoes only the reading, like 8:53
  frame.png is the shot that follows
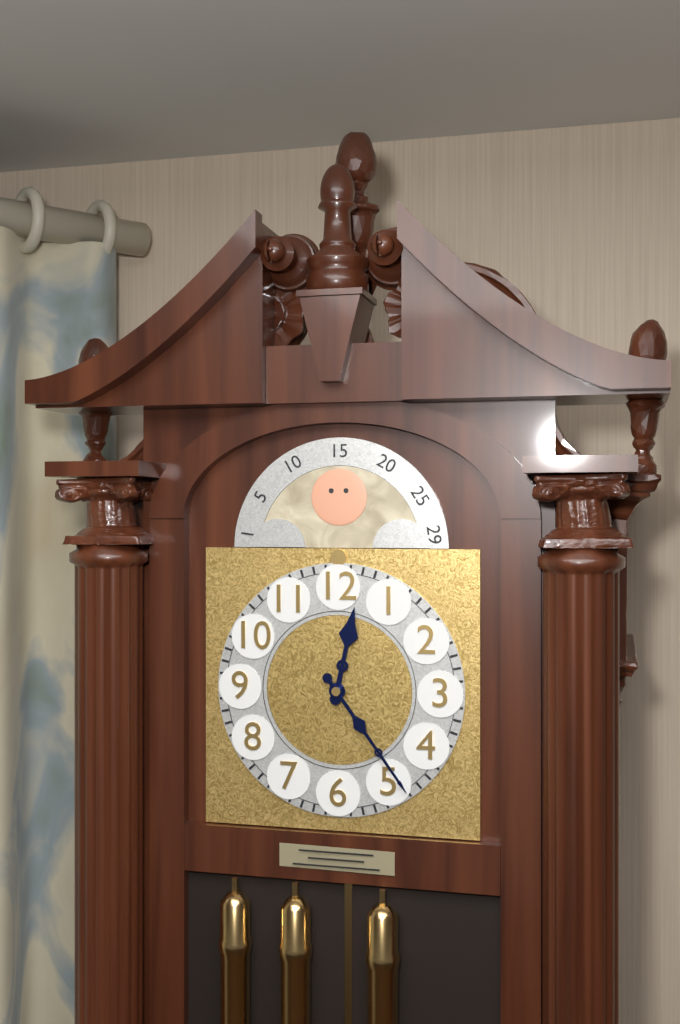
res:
12:24
